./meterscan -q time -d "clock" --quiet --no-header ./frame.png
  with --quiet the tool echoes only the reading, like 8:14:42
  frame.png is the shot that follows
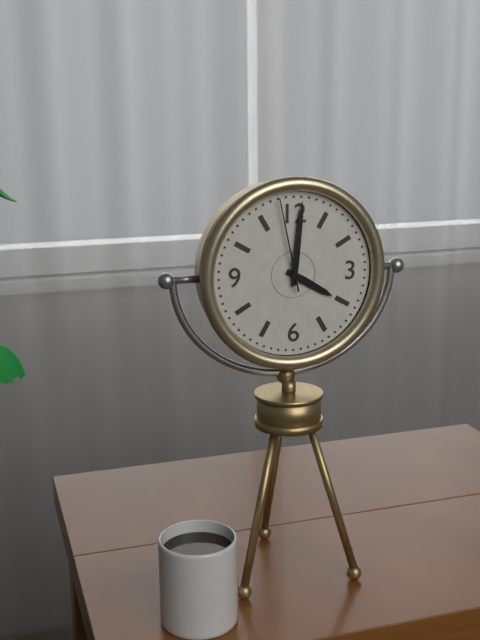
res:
4:01:58
